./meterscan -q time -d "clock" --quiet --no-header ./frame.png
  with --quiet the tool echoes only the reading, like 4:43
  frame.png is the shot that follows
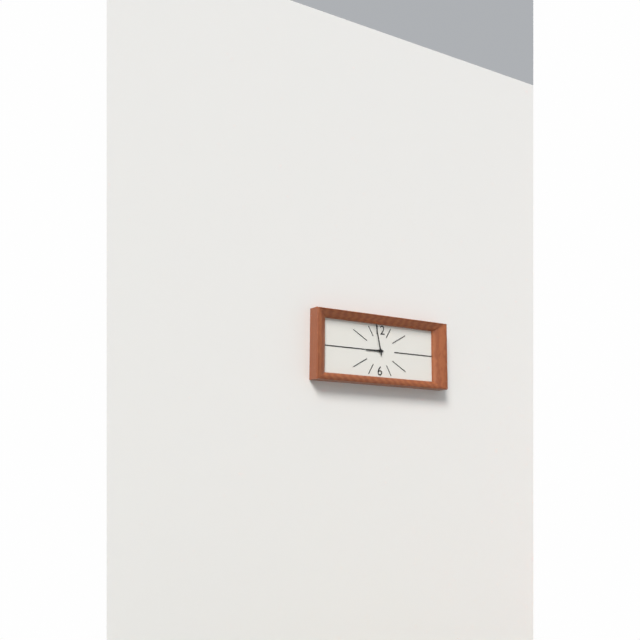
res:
8:58
